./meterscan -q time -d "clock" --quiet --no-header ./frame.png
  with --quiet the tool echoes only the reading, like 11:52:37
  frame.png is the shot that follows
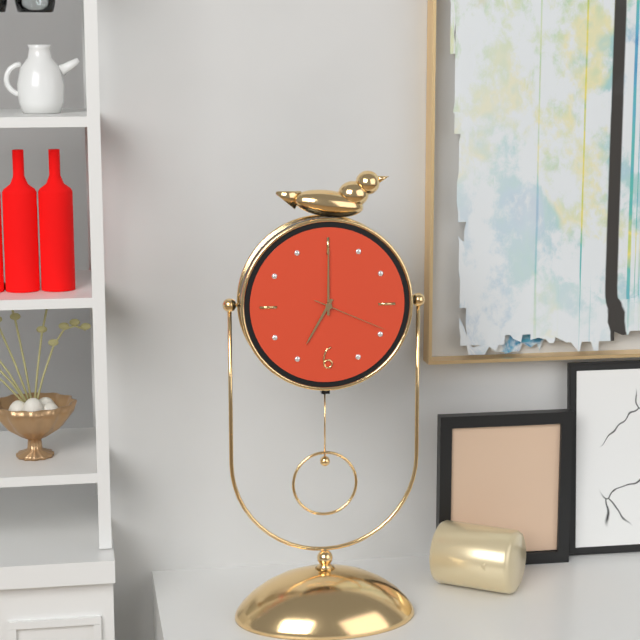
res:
7:00:19
